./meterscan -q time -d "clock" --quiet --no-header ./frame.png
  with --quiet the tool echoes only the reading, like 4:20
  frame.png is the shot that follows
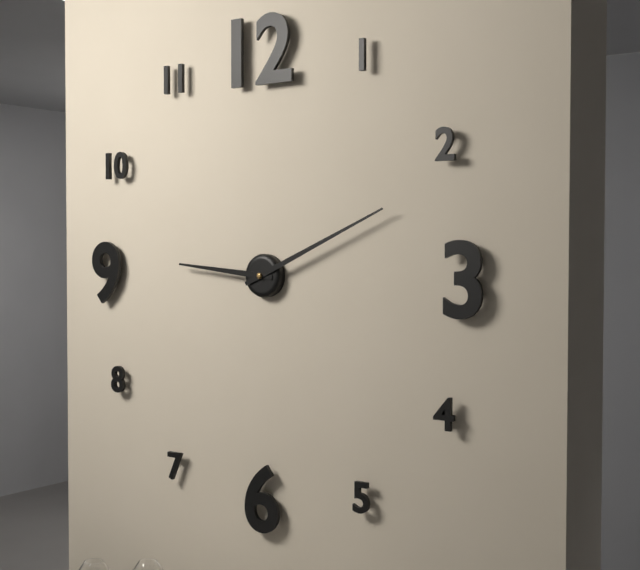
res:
9:11
